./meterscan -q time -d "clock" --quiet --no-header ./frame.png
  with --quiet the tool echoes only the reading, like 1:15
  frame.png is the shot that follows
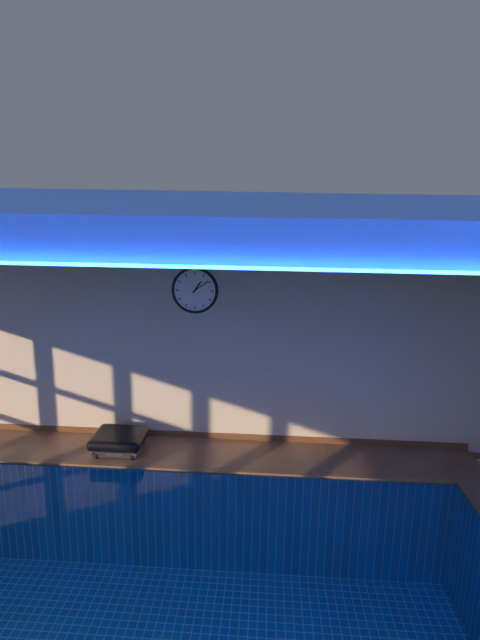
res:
1:09
